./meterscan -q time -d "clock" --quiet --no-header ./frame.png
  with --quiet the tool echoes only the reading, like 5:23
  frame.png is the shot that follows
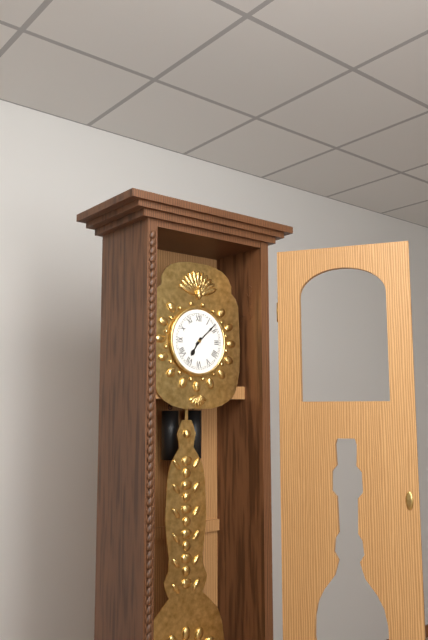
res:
7:08
